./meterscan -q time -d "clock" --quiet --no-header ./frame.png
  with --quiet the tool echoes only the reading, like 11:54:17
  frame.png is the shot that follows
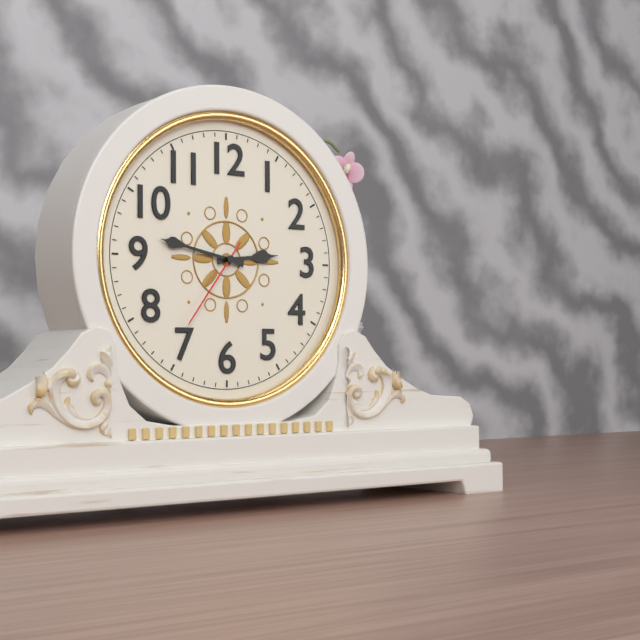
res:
2:47:36
